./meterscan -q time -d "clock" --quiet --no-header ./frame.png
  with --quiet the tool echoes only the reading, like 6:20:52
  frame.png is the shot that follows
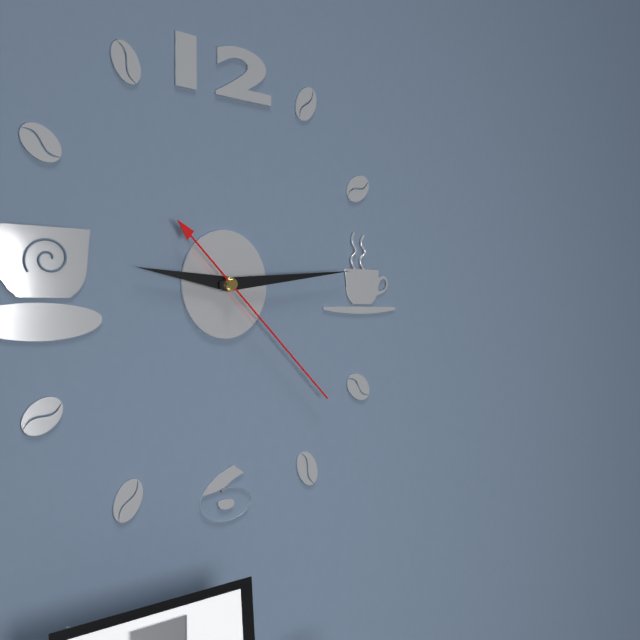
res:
9:14:22
